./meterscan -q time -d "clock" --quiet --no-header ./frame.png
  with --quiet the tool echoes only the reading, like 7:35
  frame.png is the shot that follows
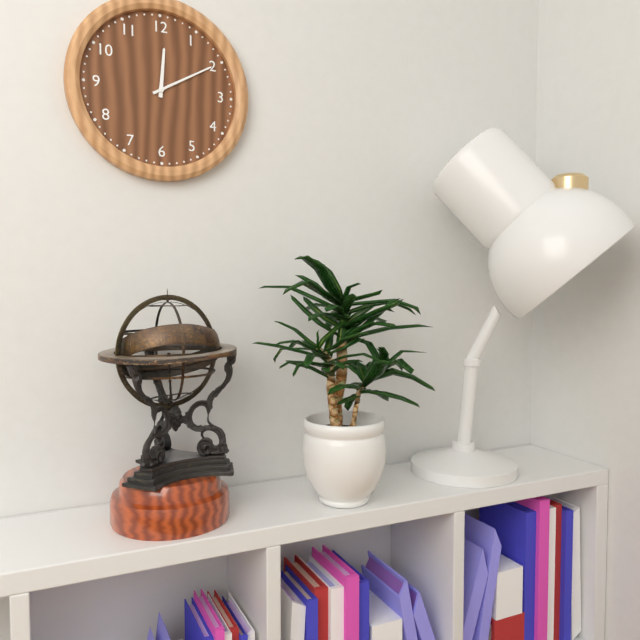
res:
12:10
